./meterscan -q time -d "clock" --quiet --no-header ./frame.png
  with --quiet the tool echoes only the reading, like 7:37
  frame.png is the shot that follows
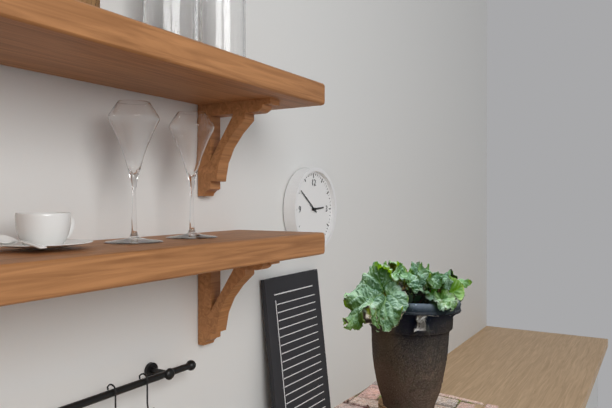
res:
2:51
